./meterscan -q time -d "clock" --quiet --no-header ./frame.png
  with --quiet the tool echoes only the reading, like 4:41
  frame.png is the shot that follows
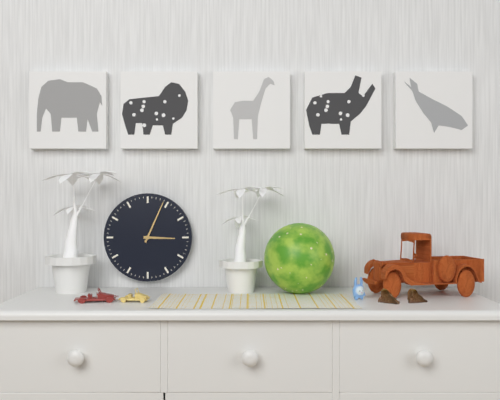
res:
3:04
